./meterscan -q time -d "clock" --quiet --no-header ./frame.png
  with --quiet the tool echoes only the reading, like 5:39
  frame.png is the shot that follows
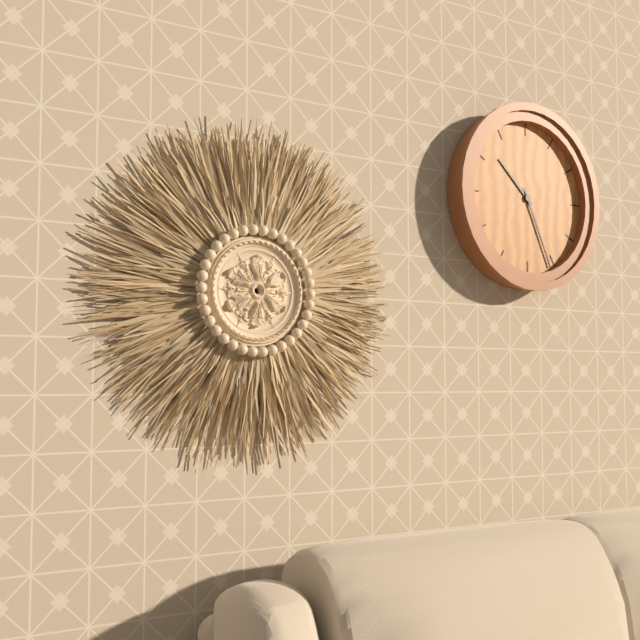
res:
10:26
